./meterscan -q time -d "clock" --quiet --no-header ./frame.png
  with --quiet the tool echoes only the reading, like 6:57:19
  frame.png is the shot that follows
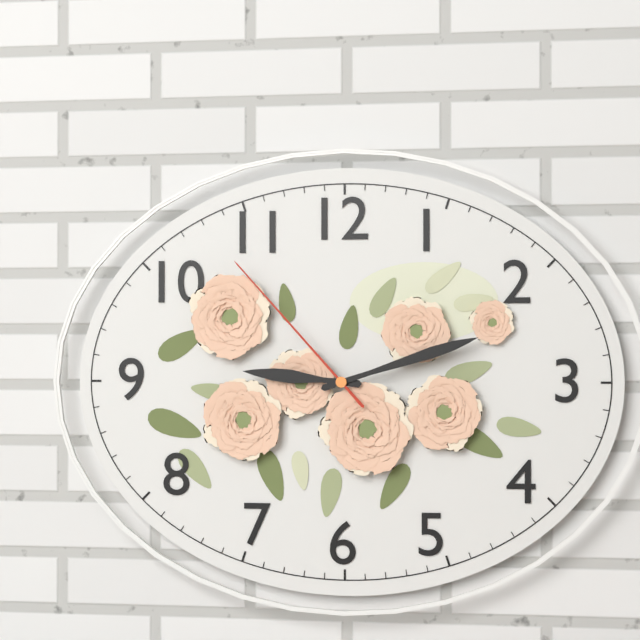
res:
9:12:53
